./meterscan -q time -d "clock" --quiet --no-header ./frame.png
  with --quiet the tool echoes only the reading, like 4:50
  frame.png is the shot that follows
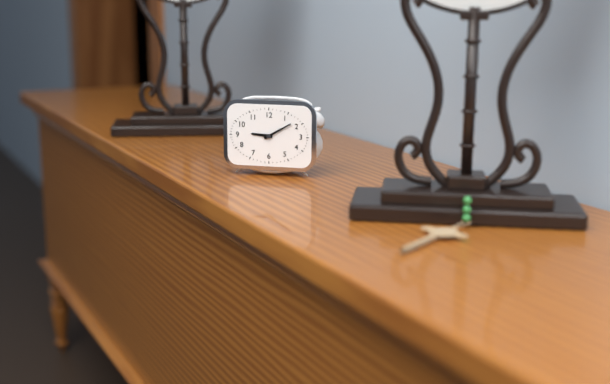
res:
9:10
